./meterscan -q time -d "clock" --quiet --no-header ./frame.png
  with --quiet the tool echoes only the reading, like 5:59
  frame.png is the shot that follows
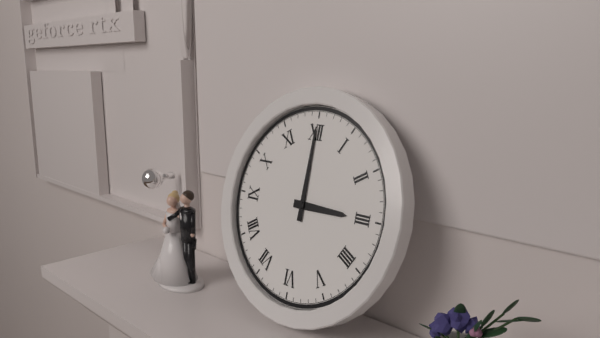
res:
3:00
